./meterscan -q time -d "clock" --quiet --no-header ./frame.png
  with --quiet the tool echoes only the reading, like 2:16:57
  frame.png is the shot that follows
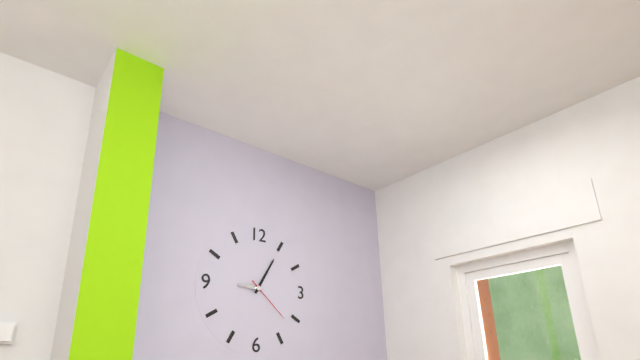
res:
9:05:22
